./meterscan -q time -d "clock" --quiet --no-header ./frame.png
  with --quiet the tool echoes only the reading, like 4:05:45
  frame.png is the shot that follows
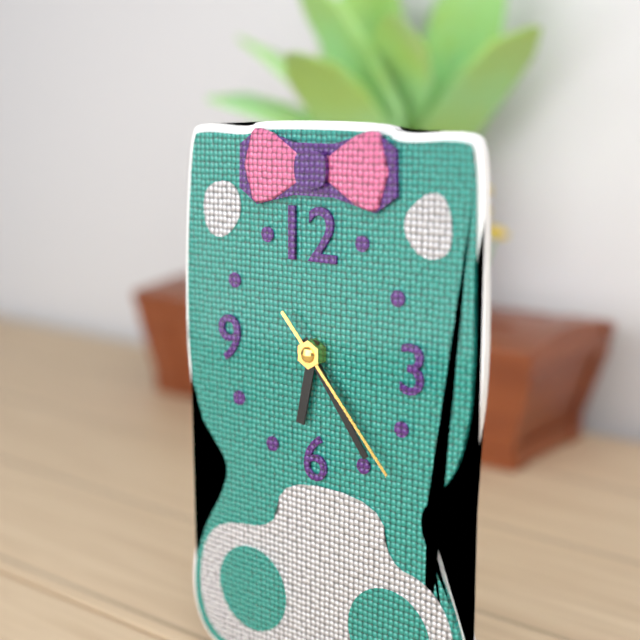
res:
6:24:23
